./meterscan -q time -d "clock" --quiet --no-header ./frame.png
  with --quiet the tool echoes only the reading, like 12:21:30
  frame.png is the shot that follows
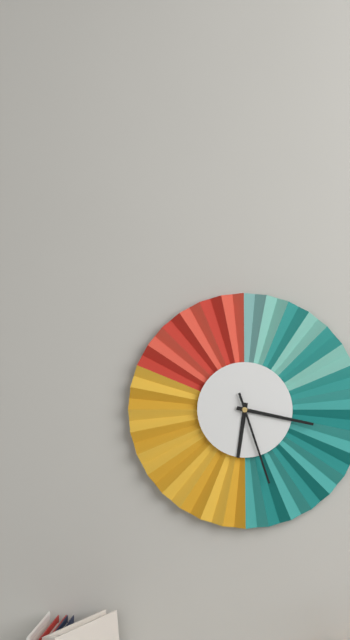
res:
6:17:27
